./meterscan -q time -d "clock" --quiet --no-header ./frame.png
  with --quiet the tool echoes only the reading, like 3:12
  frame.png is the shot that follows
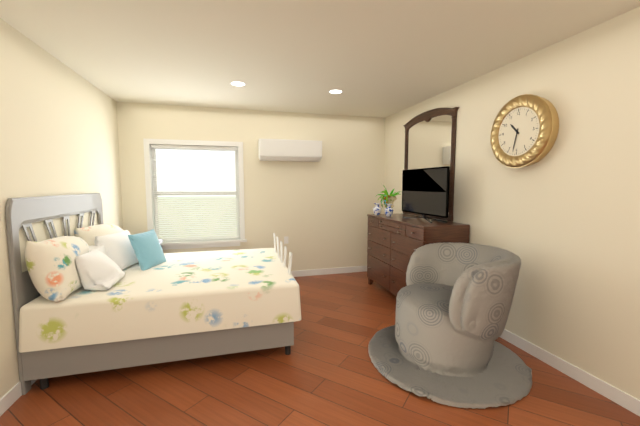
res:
10:32
